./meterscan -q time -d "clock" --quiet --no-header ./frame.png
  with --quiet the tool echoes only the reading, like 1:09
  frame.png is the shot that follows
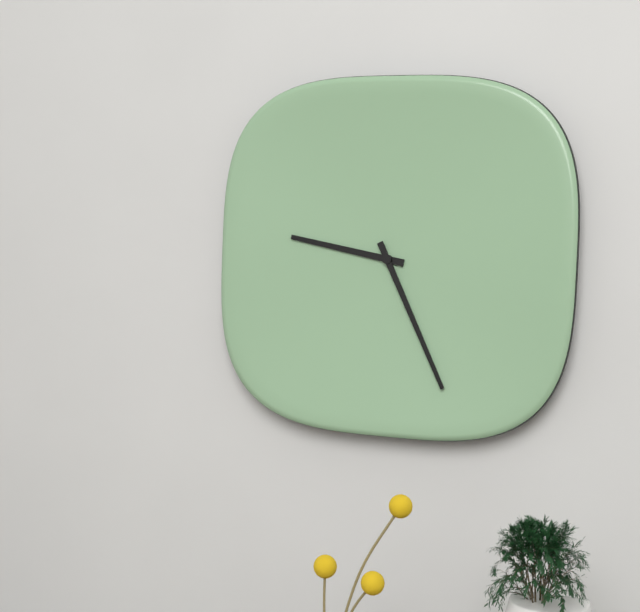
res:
9:26
